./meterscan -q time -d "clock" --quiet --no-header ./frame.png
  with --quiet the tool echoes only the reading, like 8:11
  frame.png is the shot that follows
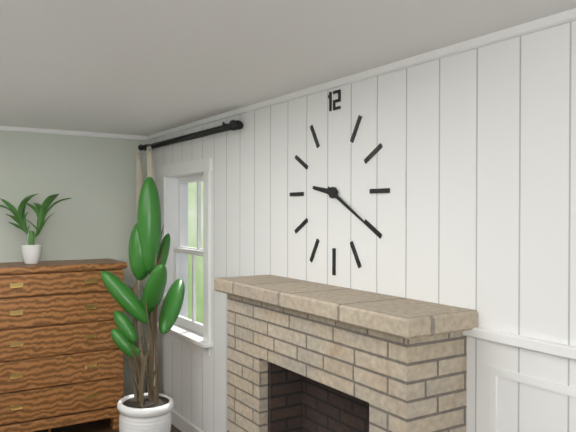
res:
9:20
